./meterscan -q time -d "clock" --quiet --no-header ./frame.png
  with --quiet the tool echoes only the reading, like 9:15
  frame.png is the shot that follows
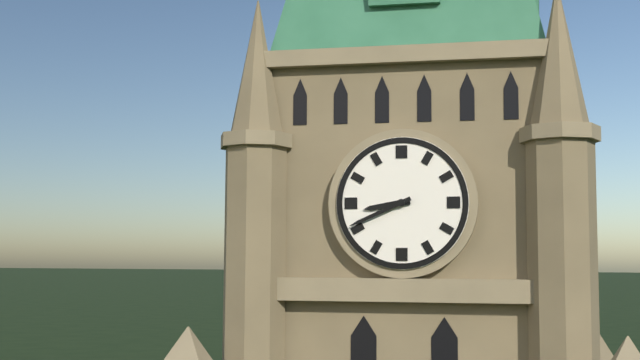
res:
8:41
